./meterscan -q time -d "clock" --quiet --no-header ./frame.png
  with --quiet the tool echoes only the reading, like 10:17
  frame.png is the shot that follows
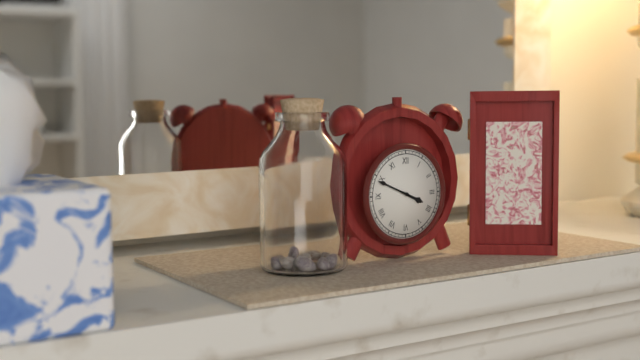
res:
3:49
